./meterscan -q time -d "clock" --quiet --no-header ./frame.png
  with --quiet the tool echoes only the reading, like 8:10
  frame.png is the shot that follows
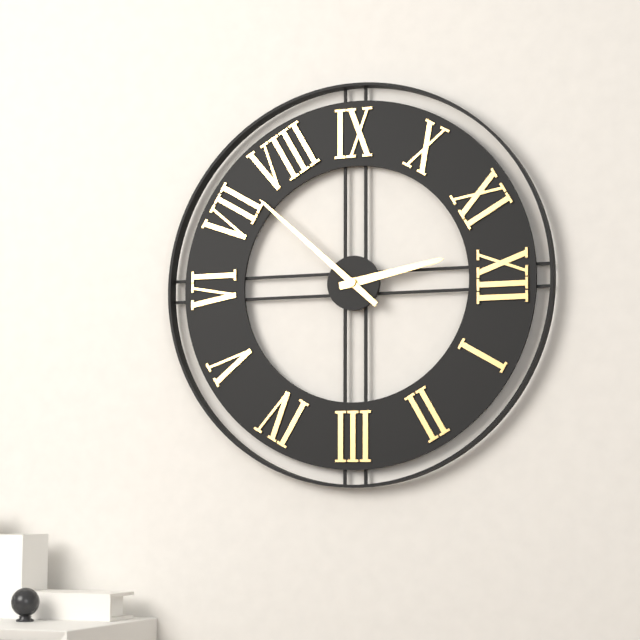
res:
11:37
